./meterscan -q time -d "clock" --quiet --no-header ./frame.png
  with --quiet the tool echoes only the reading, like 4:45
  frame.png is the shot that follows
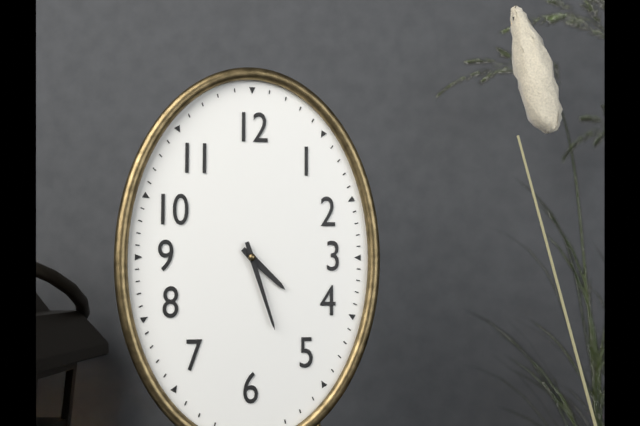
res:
4:27
